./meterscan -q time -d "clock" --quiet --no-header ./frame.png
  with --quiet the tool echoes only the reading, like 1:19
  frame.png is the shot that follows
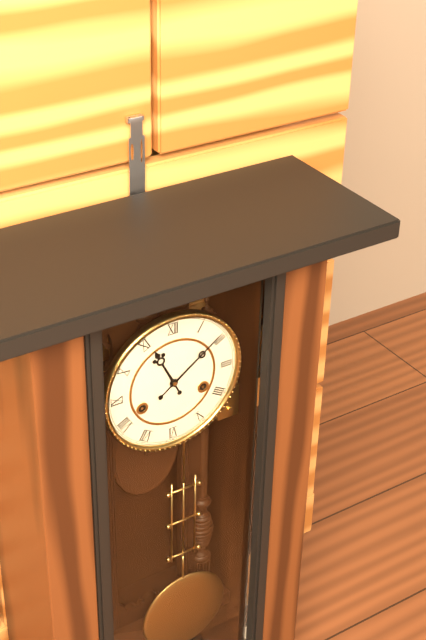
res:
11:09
